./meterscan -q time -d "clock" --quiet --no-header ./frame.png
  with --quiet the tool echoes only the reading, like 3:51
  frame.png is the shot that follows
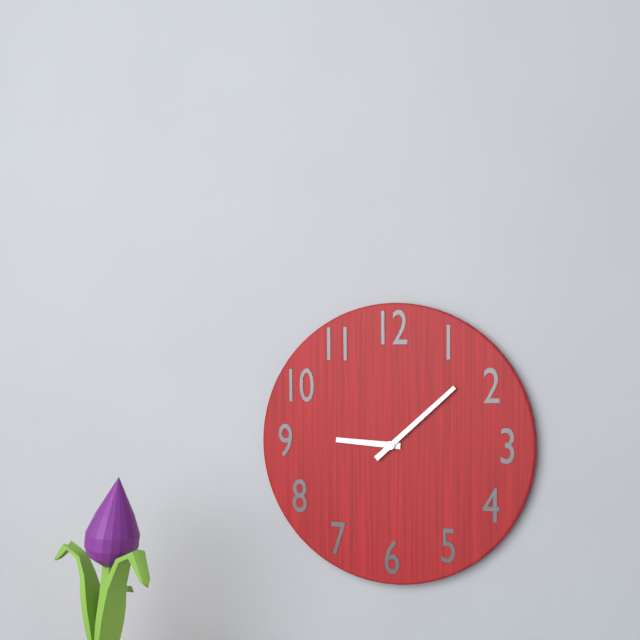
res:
9:08
